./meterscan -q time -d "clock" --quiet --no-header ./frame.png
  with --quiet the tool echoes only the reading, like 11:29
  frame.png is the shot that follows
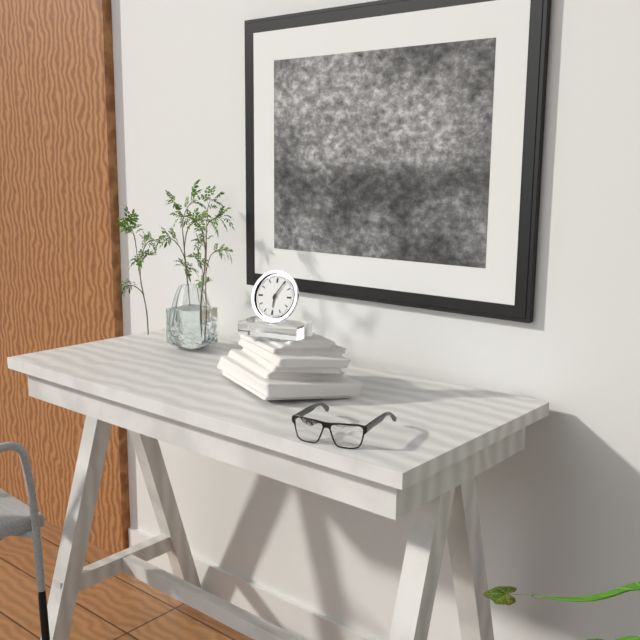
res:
6:05
